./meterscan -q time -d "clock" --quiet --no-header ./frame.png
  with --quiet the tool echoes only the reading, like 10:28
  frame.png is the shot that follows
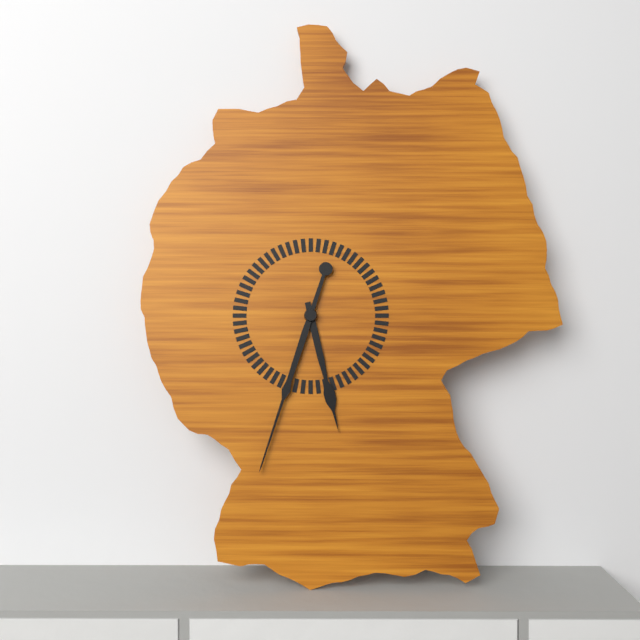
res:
5:33
